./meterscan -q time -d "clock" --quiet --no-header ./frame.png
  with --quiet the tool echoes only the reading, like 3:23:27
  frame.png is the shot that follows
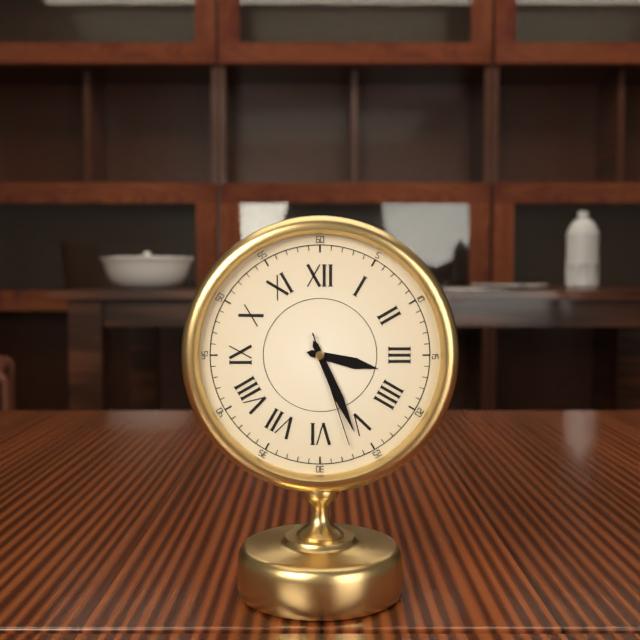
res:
3:26:27
